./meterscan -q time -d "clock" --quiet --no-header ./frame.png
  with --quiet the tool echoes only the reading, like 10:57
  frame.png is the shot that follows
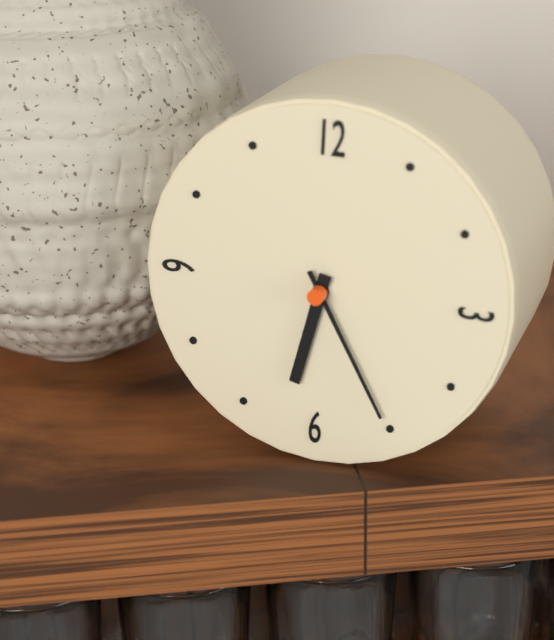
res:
6:25
